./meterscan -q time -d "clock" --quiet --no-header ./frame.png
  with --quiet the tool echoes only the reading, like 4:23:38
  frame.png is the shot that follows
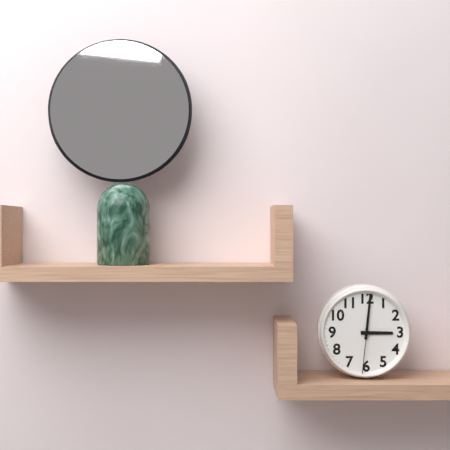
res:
3:01:31
